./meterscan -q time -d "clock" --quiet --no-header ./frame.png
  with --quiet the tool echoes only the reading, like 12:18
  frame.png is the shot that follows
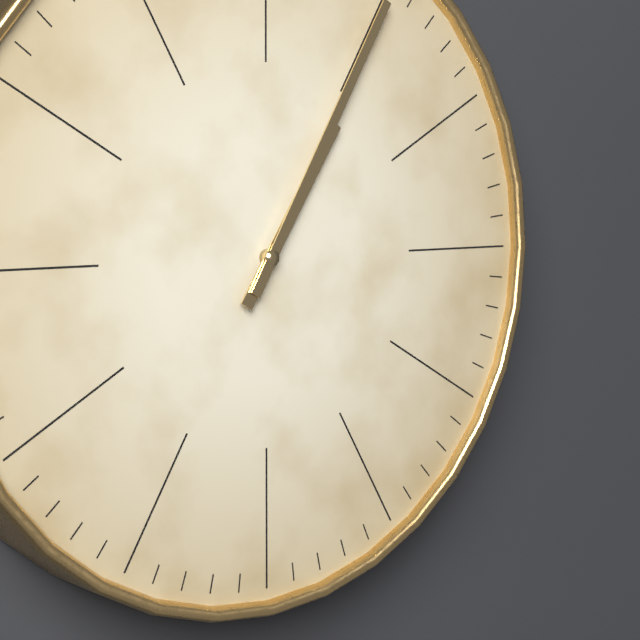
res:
1:05
